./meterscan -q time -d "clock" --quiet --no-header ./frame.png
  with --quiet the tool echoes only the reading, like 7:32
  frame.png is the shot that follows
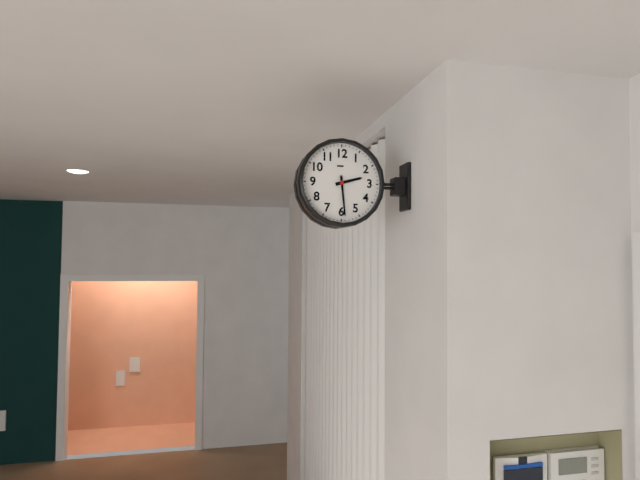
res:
2:29
